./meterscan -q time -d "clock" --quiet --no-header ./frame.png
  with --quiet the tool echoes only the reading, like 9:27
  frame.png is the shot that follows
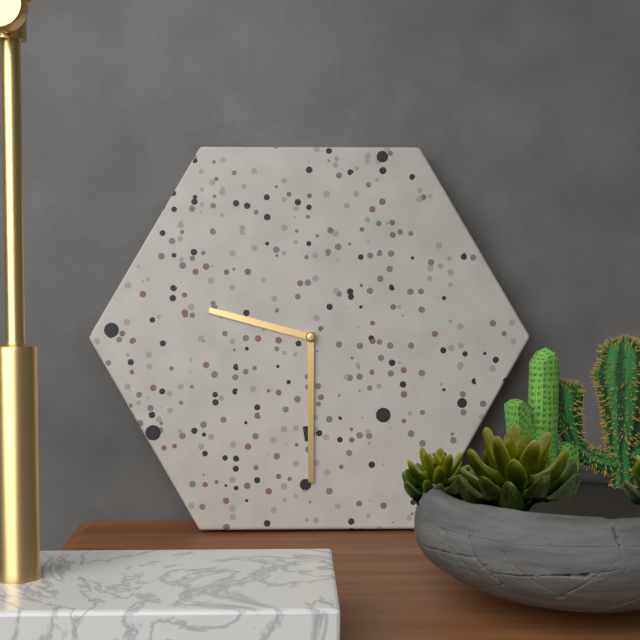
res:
9:30
